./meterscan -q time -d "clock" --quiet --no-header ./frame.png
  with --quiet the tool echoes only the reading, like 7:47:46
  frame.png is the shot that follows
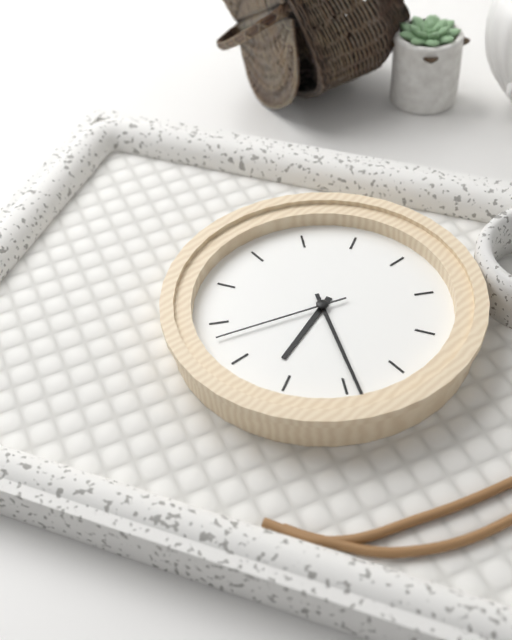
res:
5:19:33
